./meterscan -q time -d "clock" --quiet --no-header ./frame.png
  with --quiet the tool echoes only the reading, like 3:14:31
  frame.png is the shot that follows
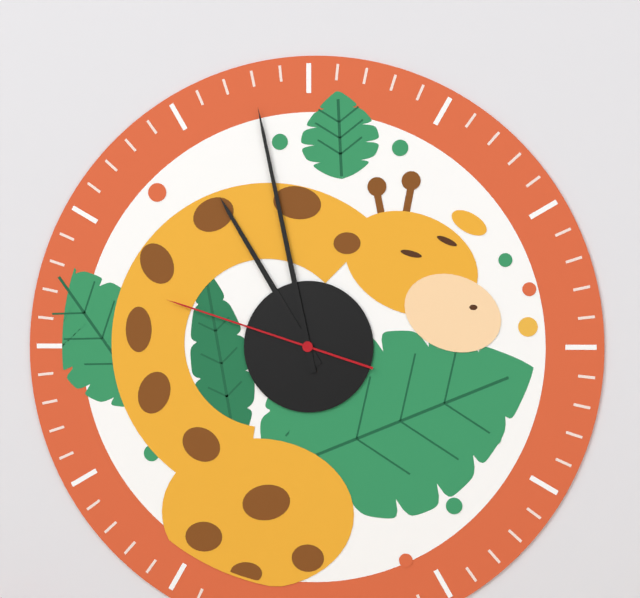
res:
10:58:48
